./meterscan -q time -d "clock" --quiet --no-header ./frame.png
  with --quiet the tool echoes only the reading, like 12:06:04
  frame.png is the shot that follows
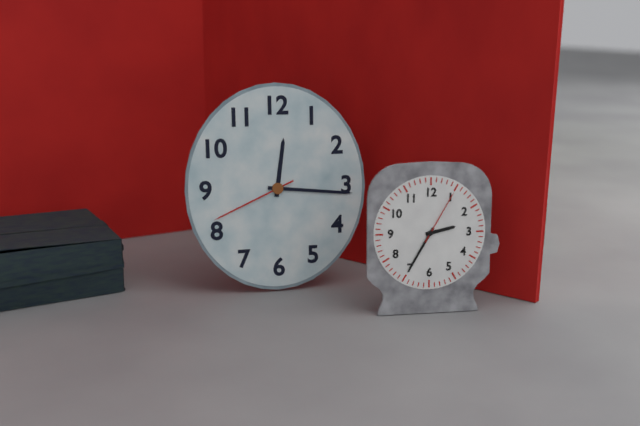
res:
12:16:41
